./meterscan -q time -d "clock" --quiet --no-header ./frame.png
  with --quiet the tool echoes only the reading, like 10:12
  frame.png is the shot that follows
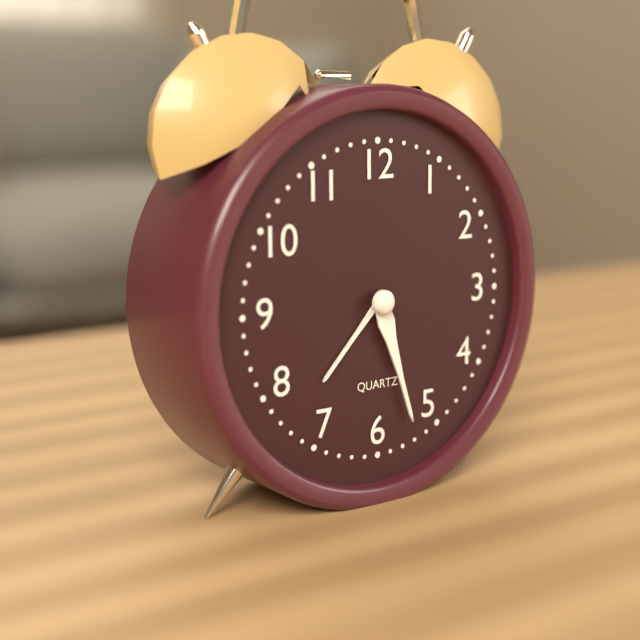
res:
7:27
